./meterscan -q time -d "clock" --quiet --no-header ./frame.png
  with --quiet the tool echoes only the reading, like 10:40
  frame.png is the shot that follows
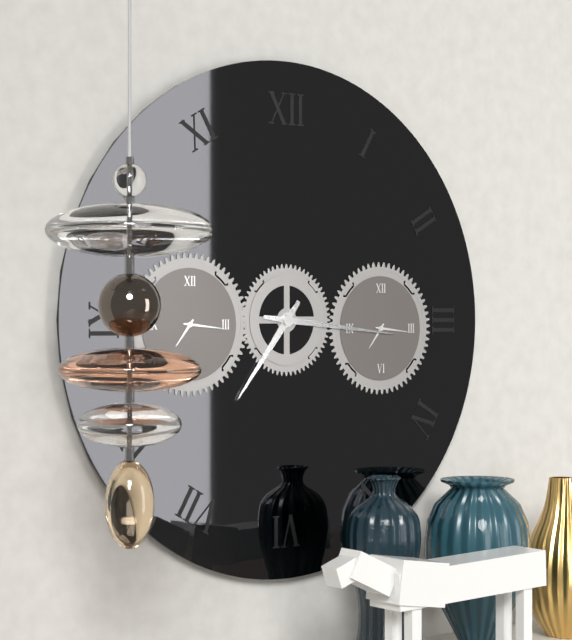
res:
7:16
